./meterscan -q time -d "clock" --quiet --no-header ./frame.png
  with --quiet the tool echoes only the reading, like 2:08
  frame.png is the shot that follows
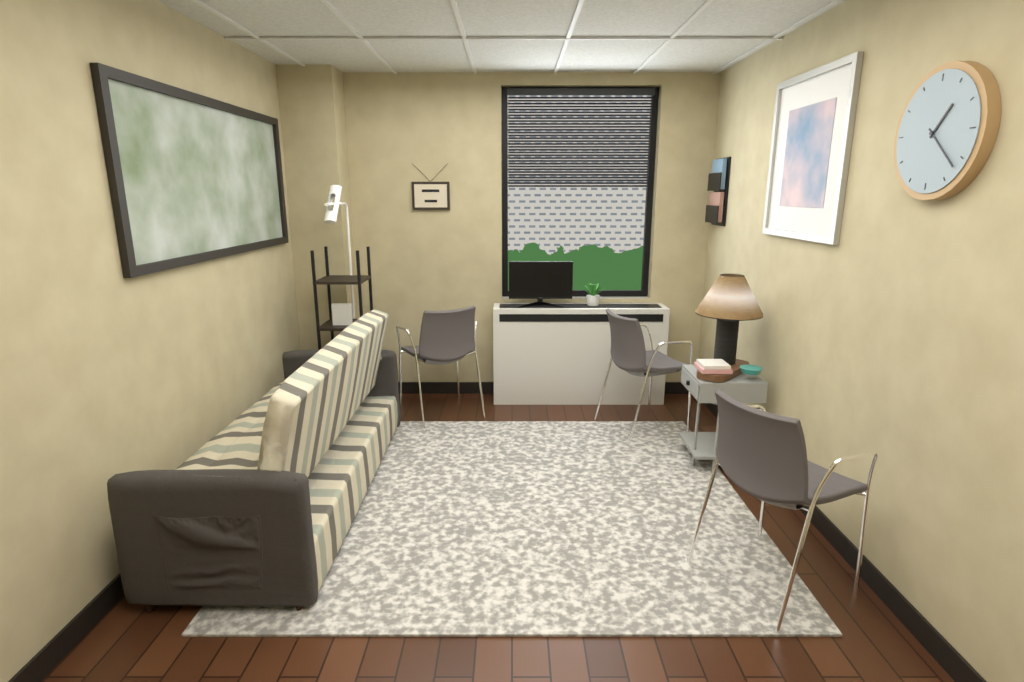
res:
1:22
